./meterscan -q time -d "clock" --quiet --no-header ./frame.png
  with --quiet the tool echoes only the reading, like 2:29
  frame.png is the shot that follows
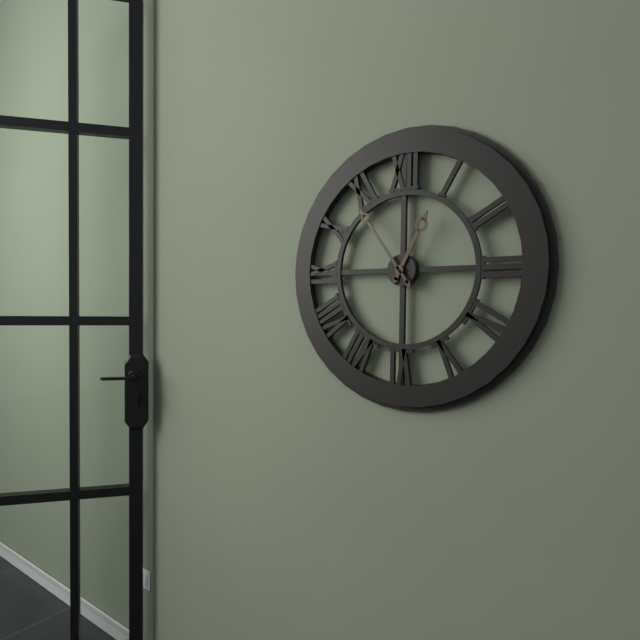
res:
12:54
